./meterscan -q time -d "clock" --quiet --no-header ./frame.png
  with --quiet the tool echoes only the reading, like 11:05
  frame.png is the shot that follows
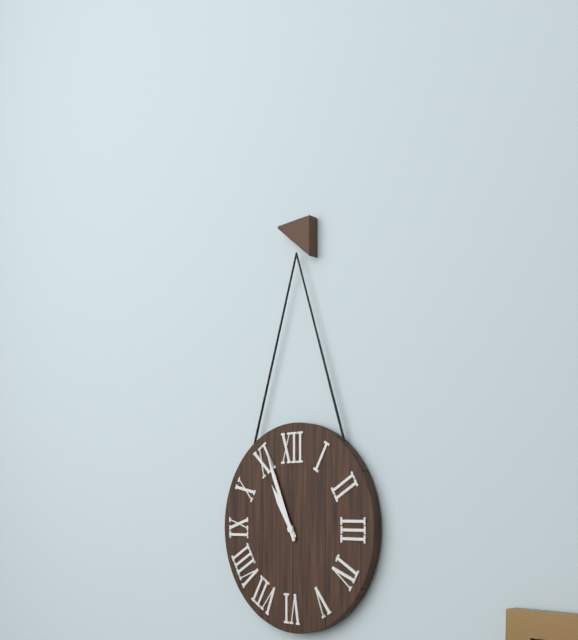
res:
10:56
